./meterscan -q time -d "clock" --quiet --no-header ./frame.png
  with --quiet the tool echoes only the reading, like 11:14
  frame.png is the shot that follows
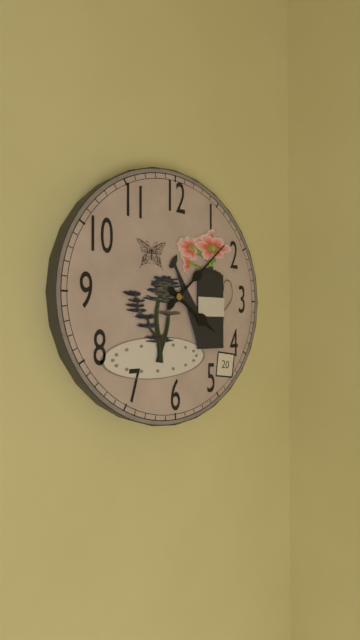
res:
4:08
